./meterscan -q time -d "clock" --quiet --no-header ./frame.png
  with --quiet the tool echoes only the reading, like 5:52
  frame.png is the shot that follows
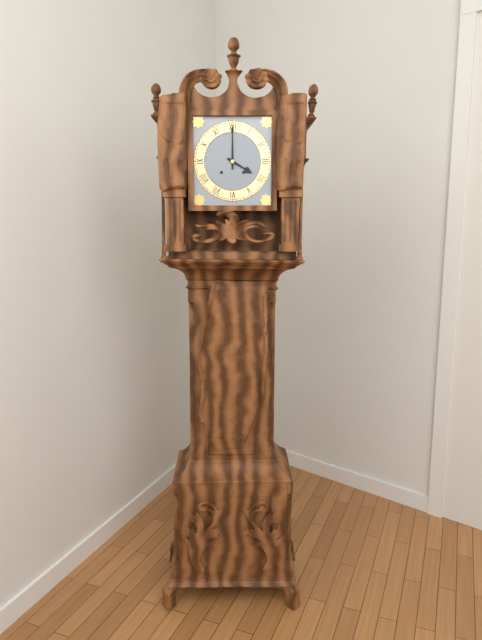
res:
4:00
